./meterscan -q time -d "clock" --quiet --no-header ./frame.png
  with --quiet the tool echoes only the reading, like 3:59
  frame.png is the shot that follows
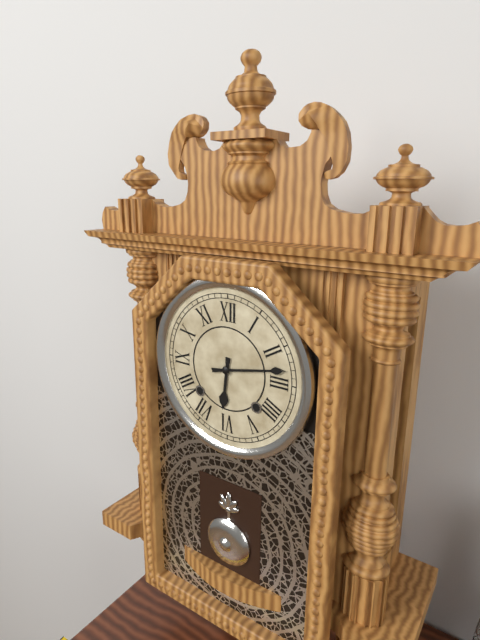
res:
6:13
